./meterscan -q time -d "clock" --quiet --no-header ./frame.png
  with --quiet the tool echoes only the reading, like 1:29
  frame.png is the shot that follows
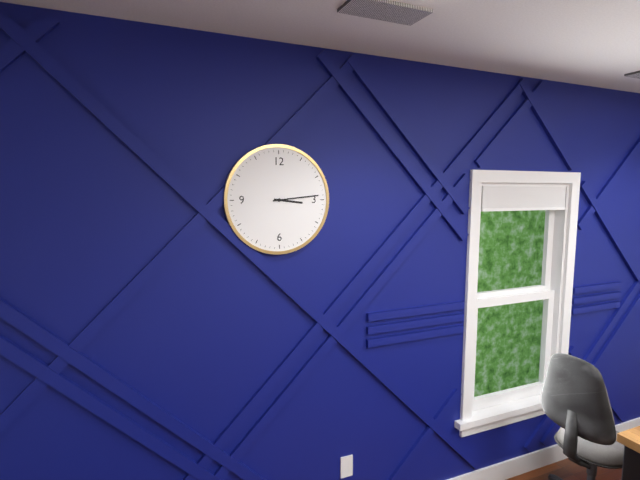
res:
3:14
